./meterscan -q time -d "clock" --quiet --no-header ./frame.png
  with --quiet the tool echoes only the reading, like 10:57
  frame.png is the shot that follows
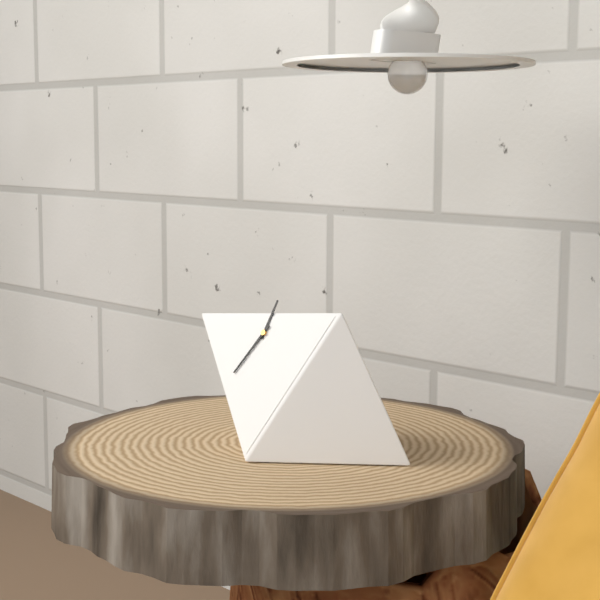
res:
12:36
